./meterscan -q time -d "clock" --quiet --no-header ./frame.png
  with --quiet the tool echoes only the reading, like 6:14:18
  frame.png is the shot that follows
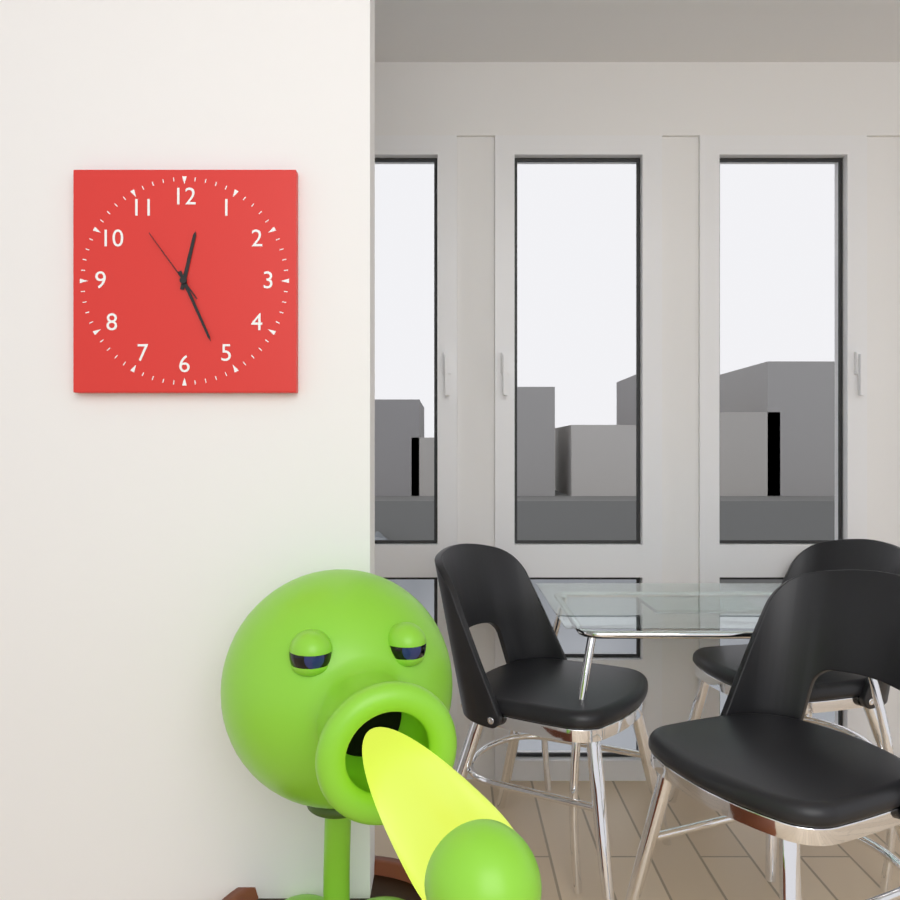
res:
12:26:54
